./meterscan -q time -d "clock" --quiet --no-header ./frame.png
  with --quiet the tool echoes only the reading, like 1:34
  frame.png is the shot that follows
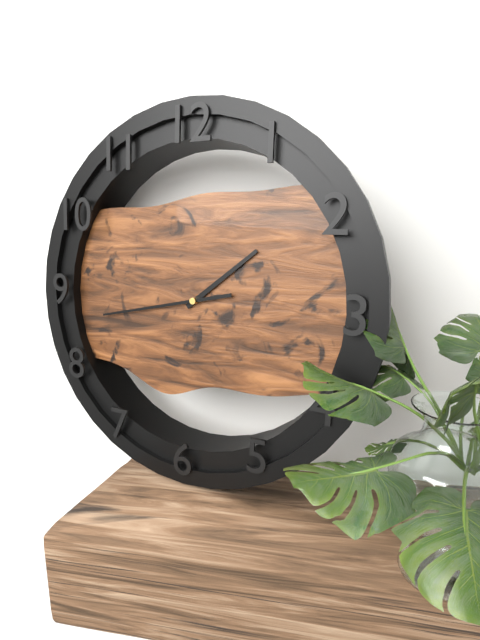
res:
1:43
